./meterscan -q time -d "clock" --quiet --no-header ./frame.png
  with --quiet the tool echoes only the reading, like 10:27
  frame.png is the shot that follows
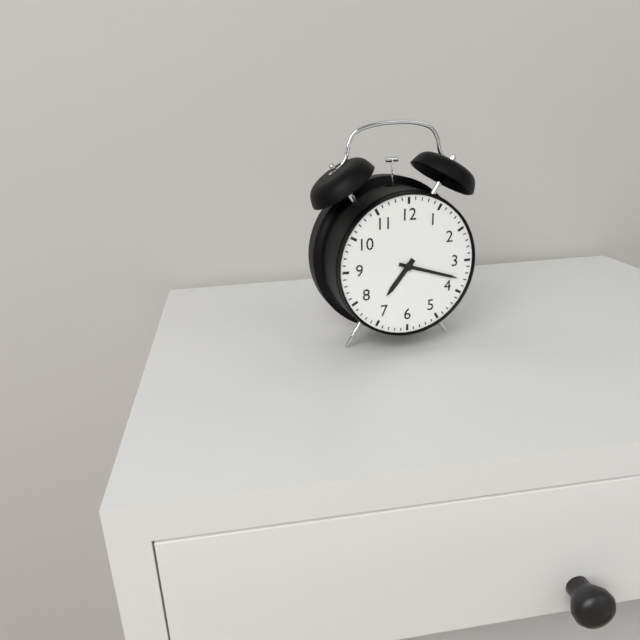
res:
7:18
